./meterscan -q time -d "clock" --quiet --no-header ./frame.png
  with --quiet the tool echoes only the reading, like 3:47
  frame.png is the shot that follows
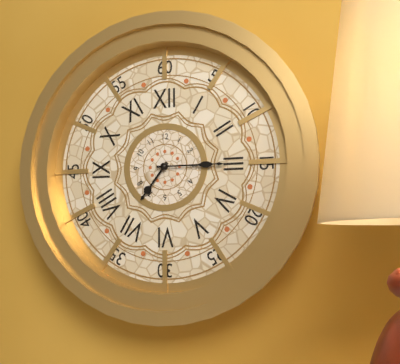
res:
7:15
